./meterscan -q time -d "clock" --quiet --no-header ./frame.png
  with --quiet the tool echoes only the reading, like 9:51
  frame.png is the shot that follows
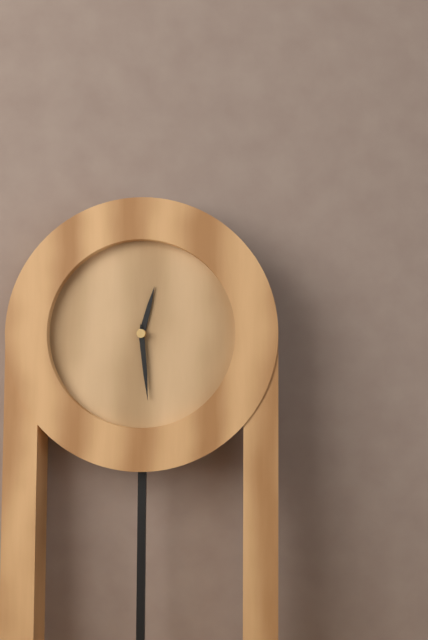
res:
12:29
